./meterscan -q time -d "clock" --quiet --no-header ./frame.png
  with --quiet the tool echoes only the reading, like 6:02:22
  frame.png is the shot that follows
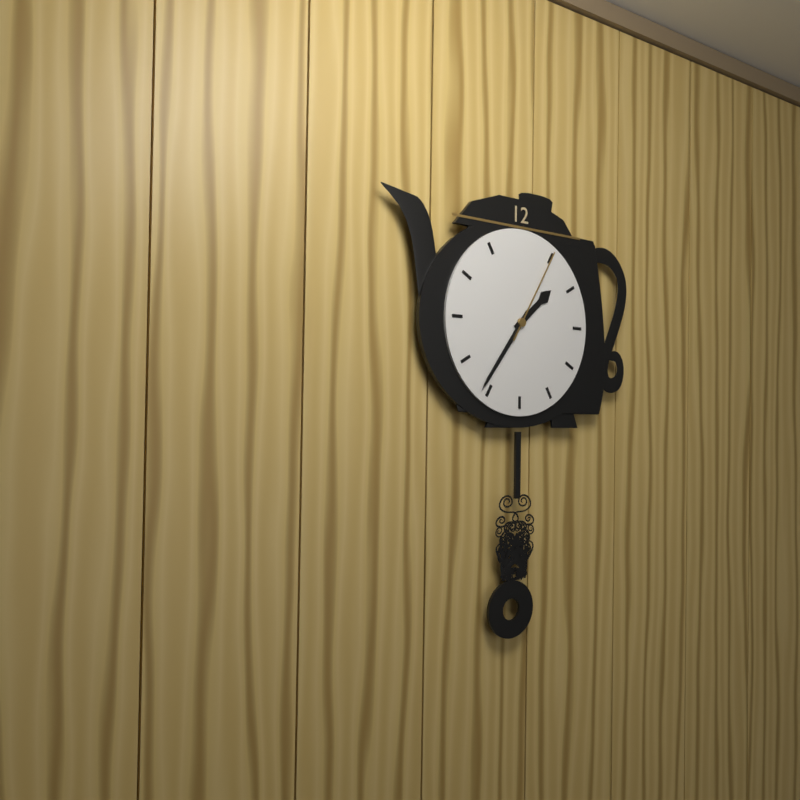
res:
1:36:05
